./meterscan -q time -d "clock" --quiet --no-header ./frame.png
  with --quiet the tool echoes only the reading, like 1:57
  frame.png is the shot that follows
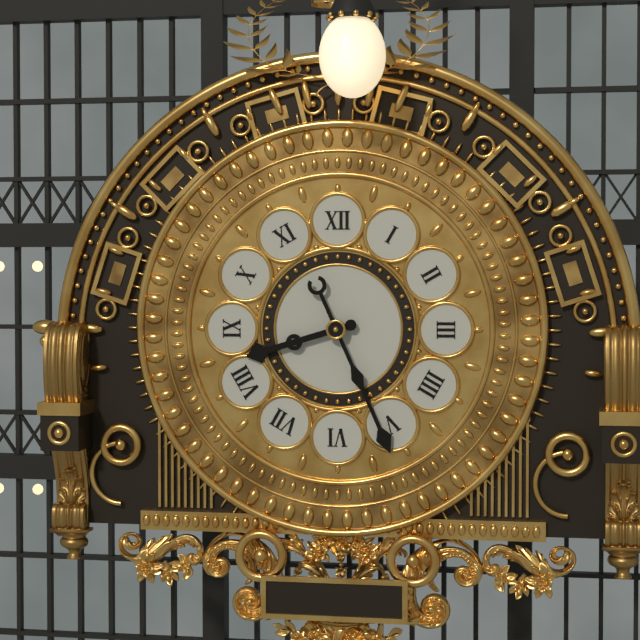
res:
8:26
